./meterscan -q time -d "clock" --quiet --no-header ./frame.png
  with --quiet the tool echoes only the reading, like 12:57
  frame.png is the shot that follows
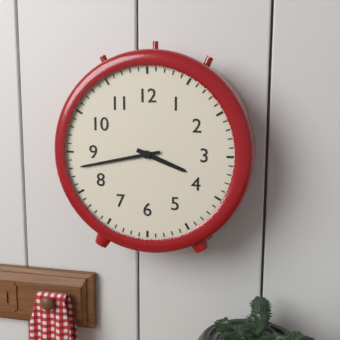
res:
3:43
